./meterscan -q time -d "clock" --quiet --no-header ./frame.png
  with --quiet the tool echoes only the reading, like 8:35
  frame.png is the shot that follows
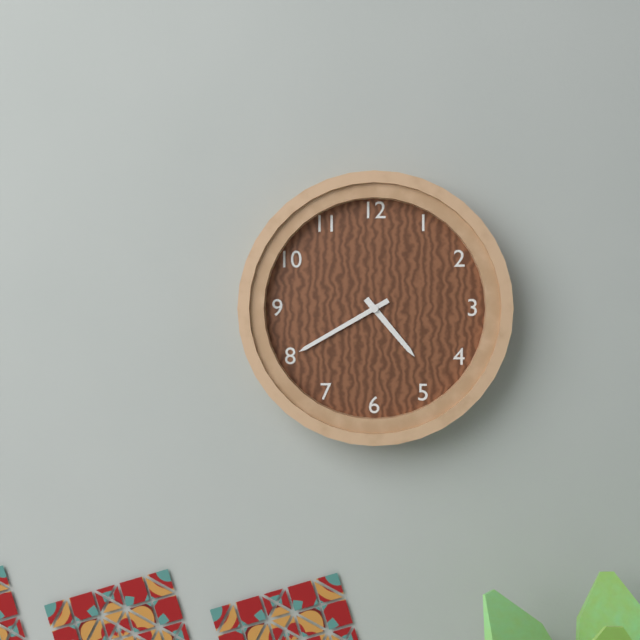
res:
4:40
